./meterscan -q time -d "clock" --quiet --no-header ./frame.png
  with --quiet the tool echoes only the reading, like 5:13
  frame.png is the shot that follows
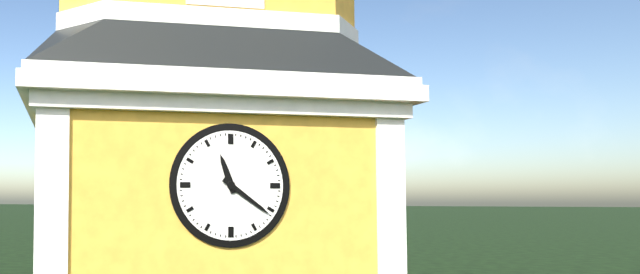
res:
11:21
